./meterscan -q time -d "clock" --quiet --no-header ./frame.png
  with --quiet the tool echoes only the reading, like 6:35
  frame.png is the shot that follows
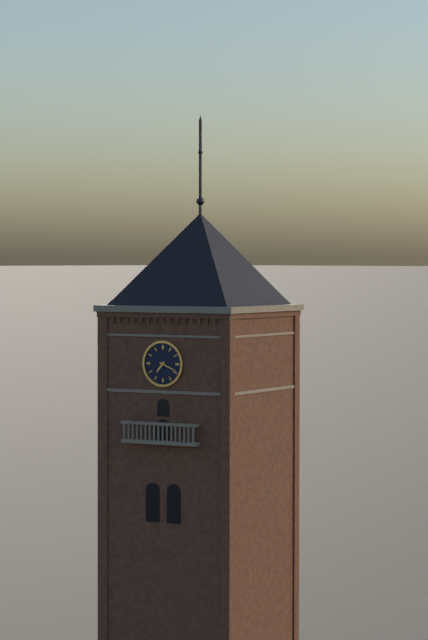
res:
7:19
